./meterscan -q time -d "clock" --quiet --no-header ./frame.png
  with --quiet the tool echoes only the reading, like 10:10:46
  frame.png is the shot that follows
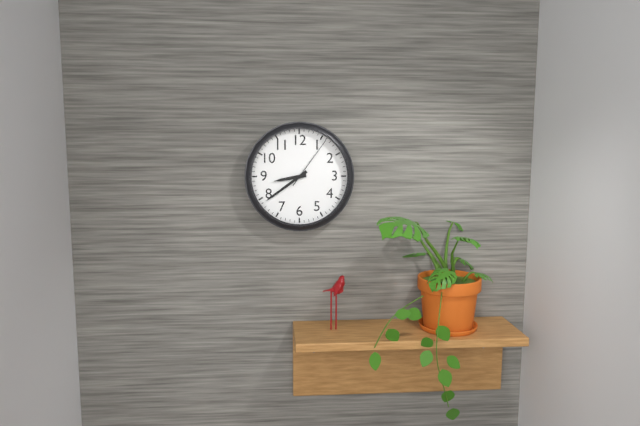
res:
8:39:06
